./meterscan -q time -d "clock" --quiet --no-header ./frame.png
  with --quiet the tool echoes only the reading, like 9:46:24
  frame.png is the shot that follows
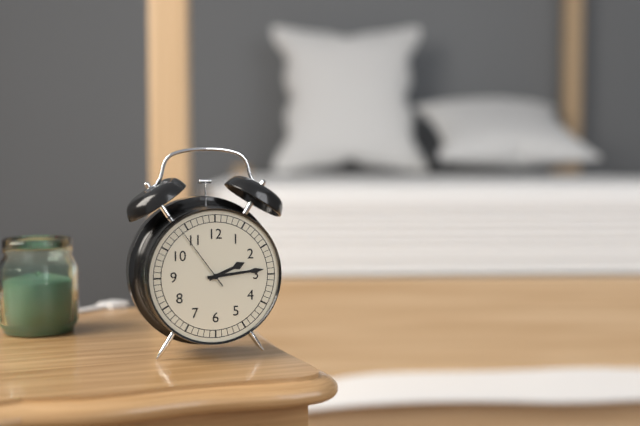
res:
2:14:54
